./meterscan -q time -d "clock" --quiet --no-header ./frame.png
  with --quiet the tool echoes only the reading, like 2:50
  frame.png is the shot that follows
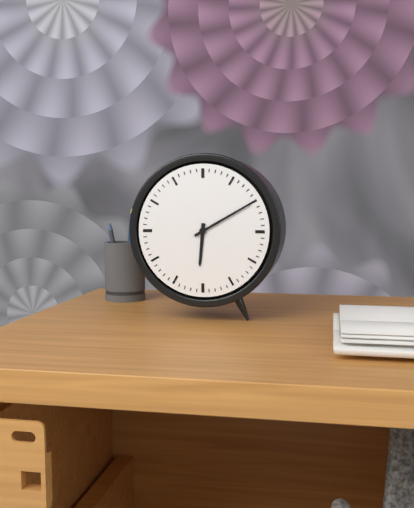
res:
6:10
